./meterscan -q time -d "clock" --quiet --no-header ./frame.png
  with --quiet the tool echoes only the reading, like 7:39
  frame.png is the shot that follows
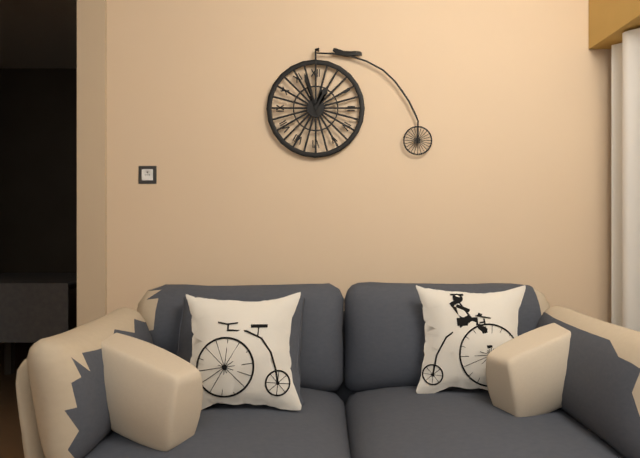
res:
12:57
